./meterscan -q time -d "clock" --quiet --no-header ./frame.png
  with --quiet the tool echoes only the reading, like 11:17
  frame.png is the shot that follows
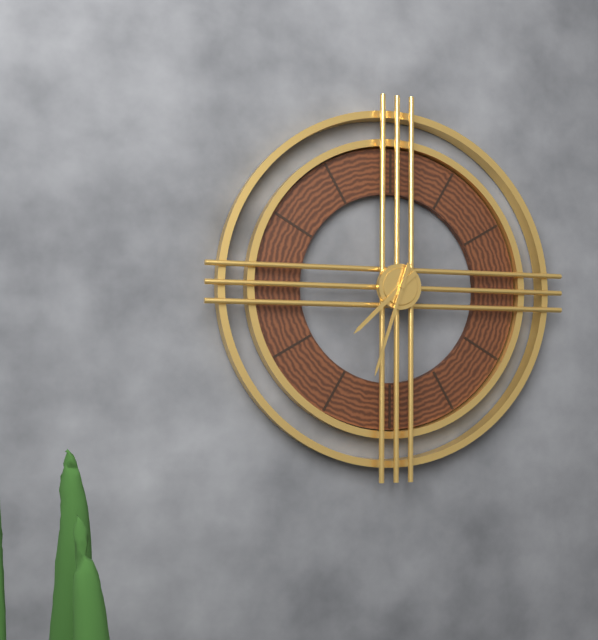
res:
7:33
